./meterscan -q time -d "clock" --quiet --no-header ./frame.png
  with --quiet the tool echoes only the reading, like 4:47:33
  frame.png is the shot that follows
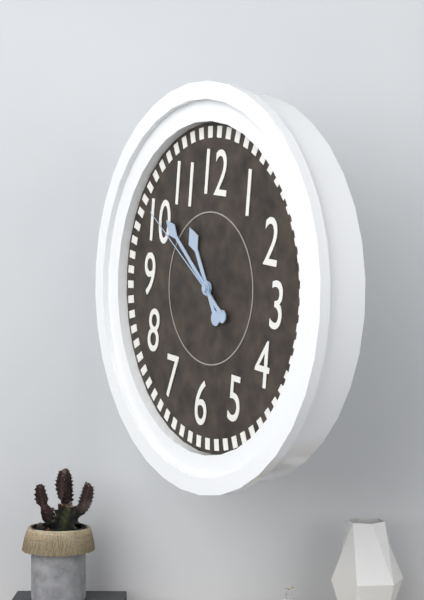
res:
10:51:50
